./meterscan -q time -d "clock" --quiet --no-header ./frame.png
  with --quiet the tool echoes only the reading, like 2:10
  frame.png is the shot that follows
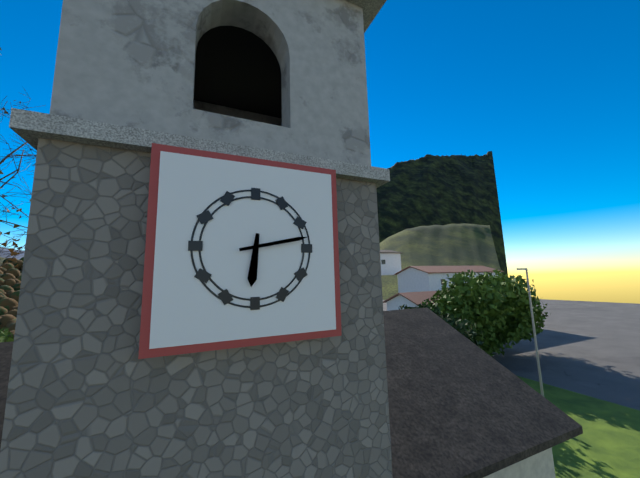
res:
6:13
